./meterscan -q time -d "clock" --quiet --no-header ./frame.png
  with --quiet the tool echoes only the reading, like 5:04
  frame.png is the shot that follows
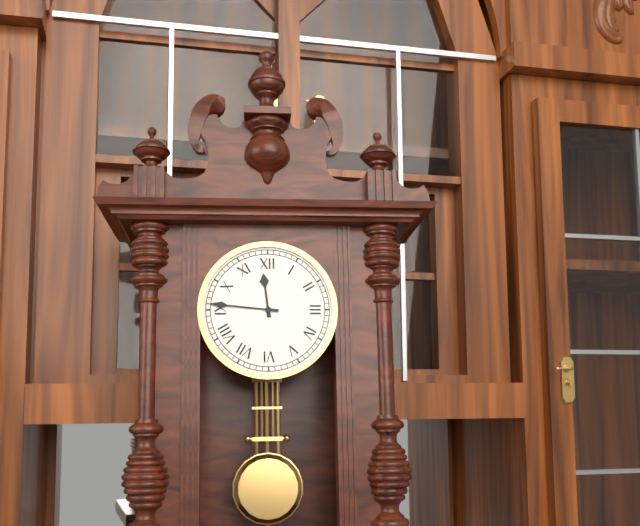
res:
11:46
